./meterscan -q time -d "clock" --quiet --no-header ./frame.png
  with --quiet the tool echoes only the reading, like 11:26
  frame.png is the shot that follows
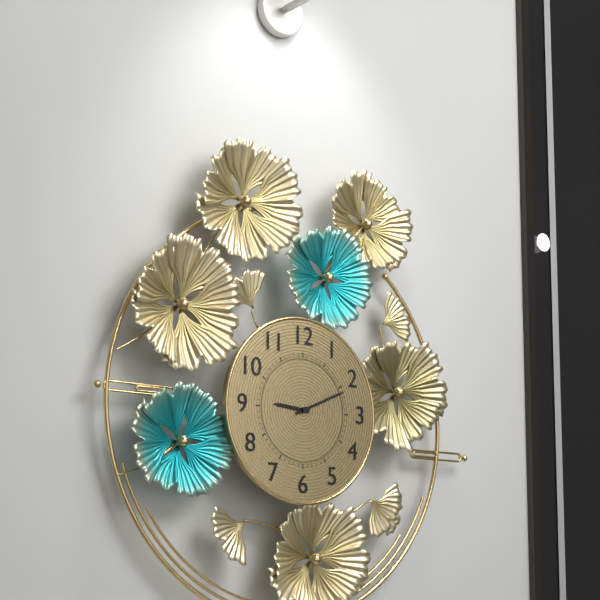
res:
9:11
